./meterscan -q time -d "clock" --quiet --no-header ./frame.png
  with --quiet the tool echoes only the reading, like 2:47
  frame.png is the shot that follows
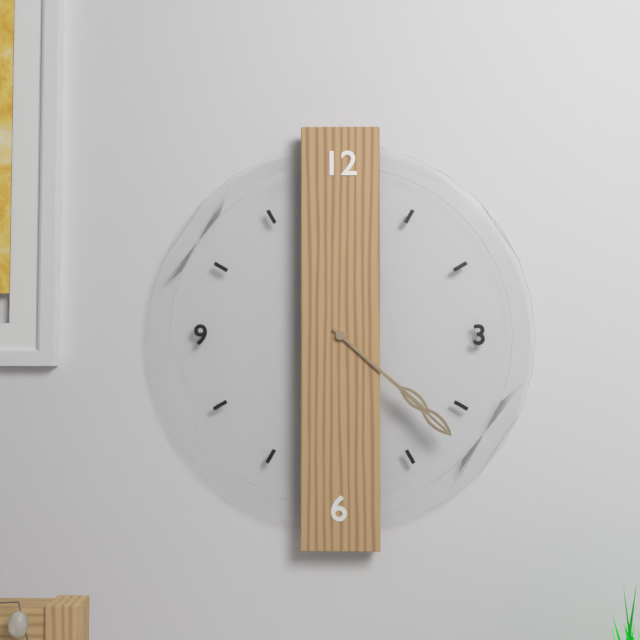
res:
4:22
